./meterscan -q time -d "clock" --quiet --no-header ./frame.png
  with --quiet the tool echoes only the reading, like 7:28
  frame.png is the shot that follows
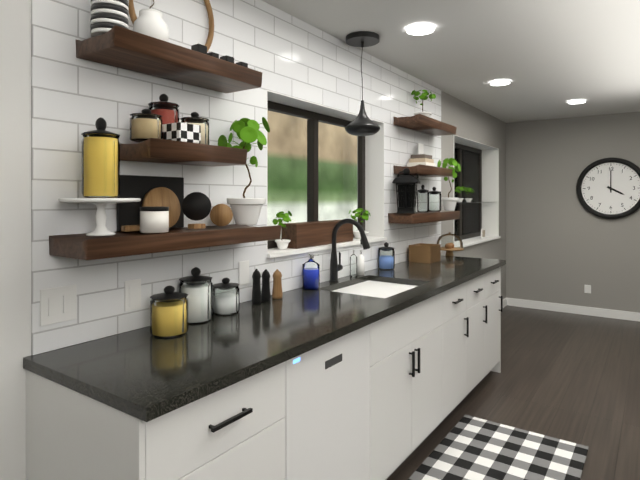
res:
4:00
